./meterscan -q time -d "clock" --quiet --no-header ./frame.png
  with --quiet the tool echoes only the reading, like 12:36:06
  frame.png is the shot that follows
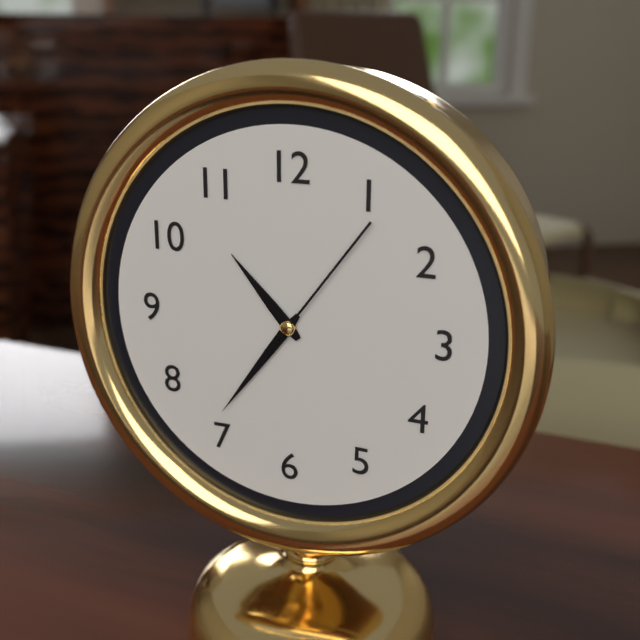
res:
10:36:06
